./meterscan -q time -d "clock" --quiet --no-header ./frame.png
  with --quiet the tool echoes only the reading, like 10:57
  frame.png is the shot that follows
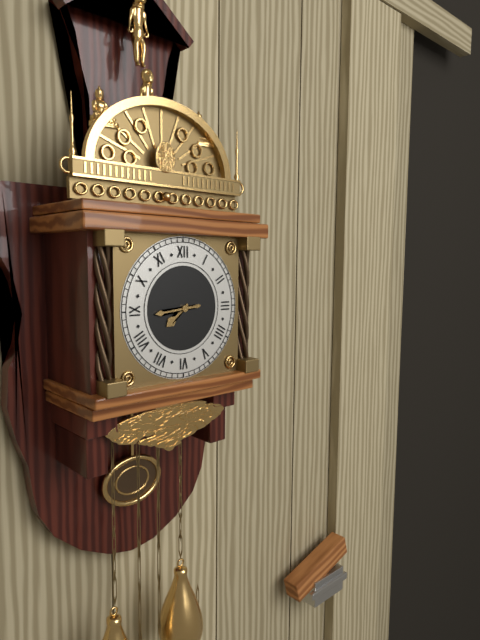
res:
7:44
